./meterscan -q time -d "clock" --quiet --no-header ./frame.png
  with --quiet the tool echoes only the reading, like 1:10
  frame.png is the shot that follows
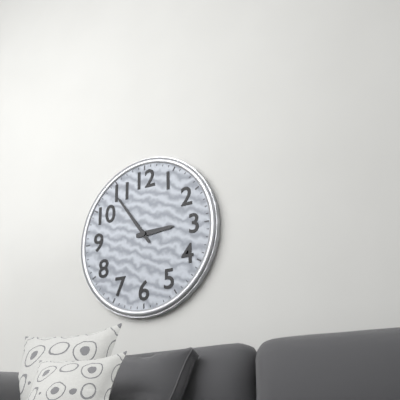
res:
2:54
